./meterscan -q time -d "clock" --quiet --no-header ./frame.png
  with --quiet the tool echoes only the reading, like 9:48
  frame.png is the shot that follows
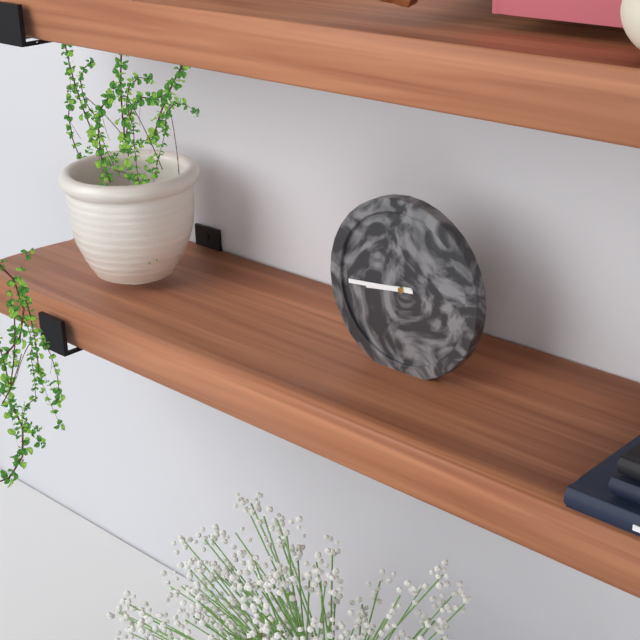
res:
8:44
